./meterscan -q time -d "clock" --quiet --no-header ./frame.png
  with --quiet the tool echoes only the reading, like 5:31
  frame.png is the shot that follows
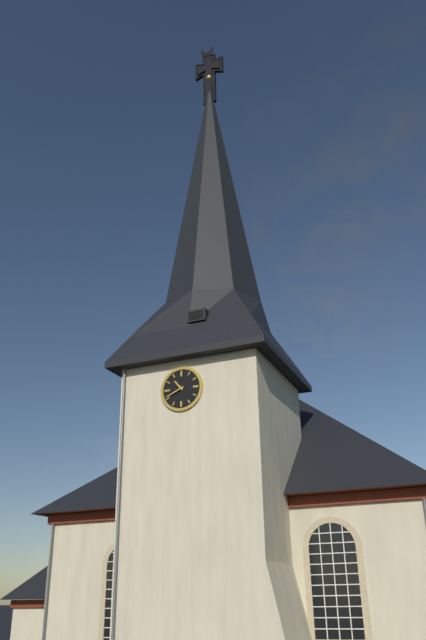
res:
10:41
